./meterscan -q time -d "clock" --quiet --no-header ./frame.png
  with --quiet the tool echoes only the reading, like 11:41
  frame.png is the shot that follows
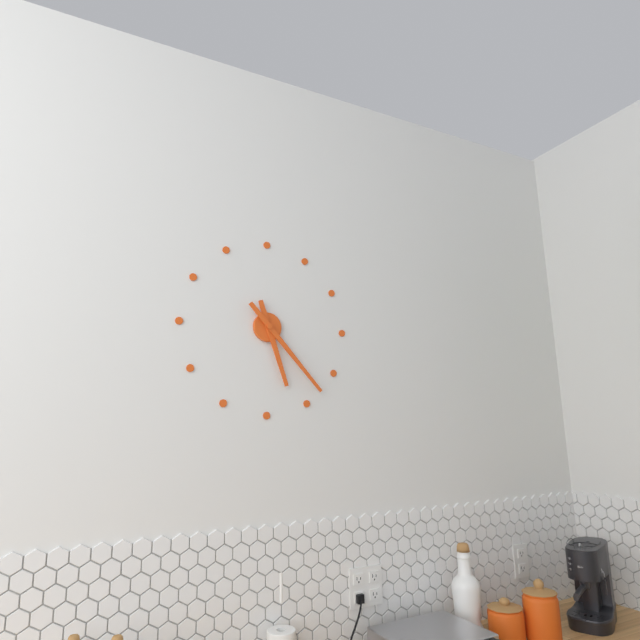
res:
5:23
